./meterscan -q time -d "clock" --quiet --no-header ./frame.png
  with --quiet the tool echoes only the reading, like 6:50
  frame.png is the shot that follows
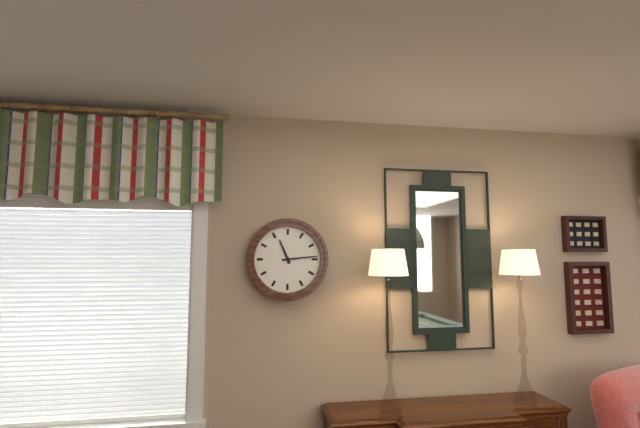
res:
11:14
